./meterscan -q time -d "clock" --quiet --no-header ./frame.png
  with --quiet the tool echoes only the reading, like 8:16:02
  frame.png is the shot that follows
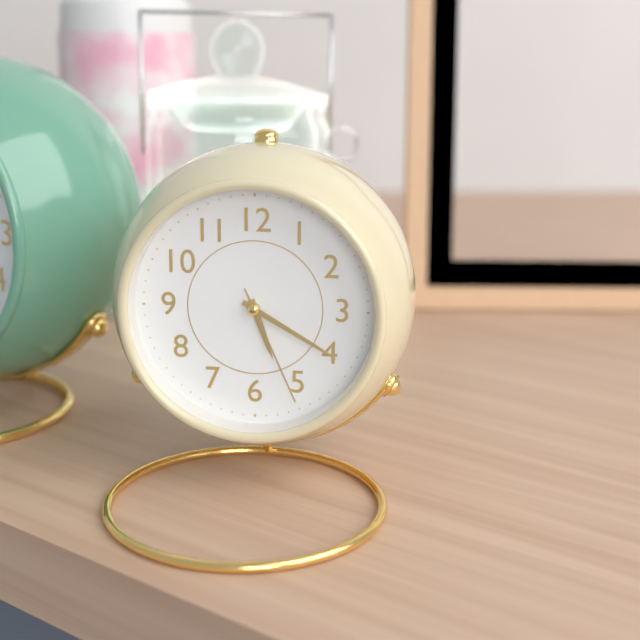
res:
5:20:26
